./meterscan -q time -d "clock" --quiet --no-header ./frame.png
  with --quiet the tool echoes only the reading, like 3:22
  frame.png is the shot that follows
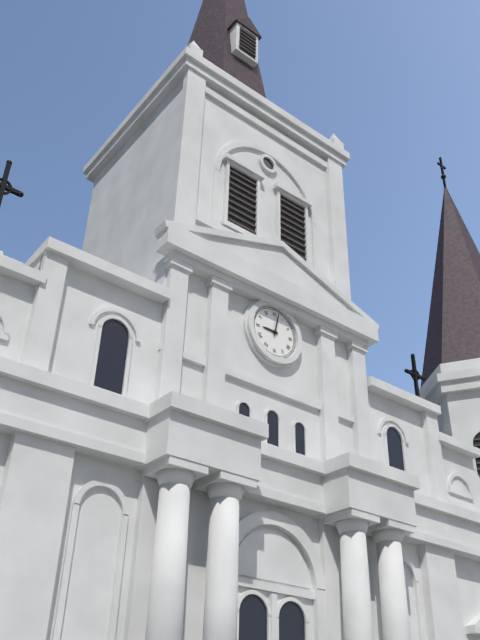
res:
9:02
